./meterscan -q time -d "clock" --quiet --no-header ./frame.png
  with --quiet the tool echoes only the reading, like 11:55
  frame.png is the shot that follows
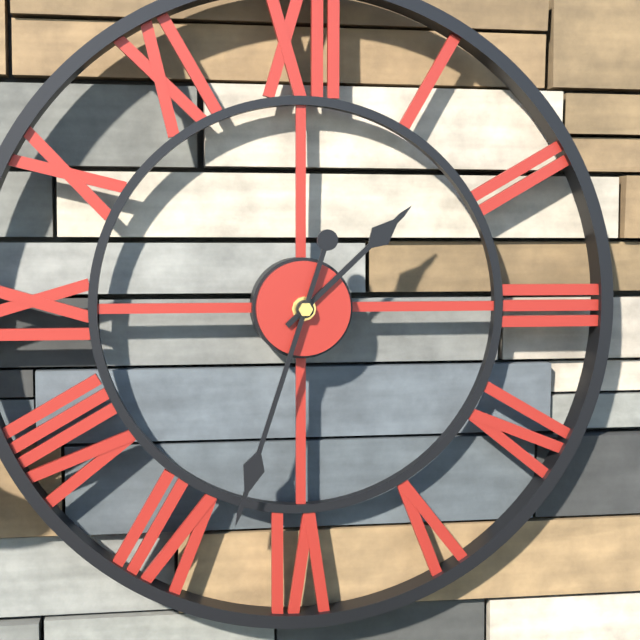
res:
1:33
